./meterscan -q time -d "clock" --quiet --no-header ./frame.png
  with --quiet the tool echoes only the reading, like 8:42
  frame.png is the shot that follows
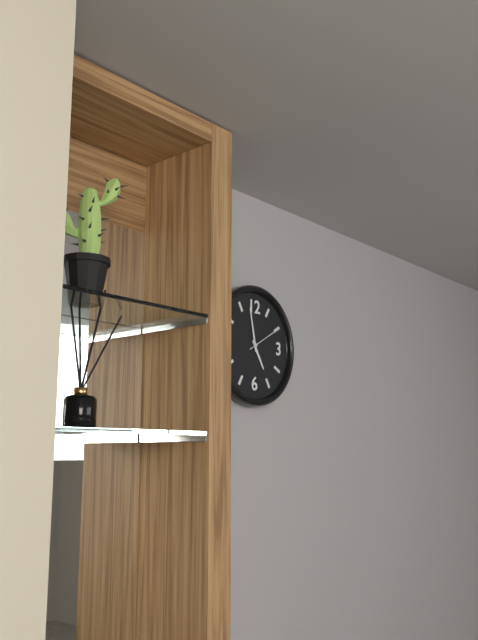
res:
4:58
